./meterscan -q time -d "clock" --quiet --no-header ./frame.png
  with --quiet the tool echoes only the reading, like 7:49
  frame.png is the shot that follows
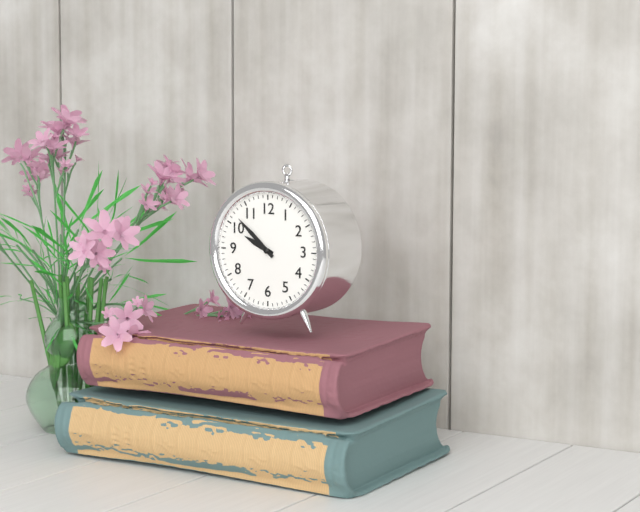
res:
9:52
